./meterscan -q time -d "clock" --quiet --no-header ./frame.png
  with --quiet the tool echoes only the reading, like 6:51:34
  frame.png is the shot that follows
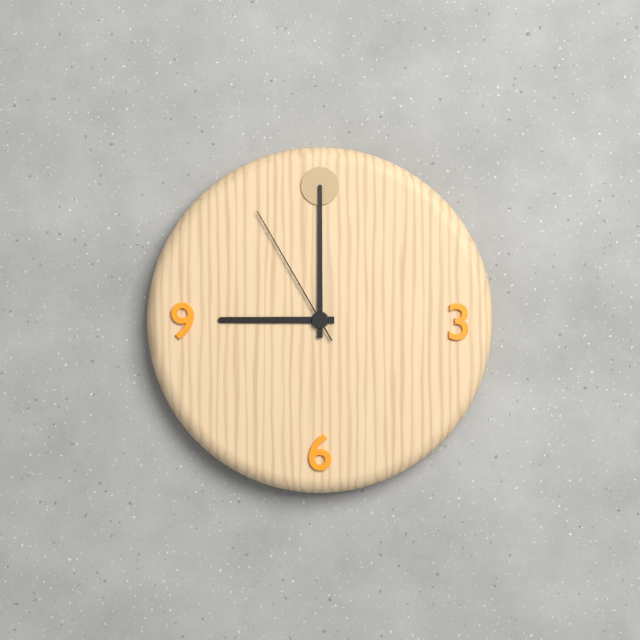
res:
9:00:55
